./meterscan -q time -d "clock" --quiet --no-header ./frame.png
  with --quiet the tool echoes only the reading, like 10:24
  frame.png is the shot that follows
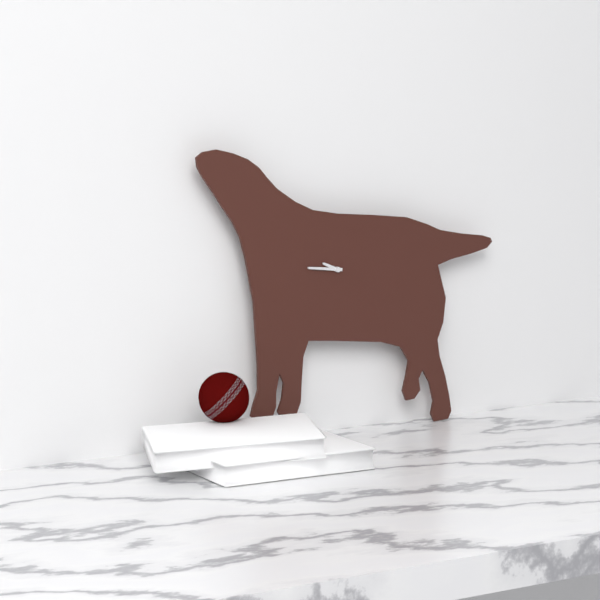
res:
9:46
